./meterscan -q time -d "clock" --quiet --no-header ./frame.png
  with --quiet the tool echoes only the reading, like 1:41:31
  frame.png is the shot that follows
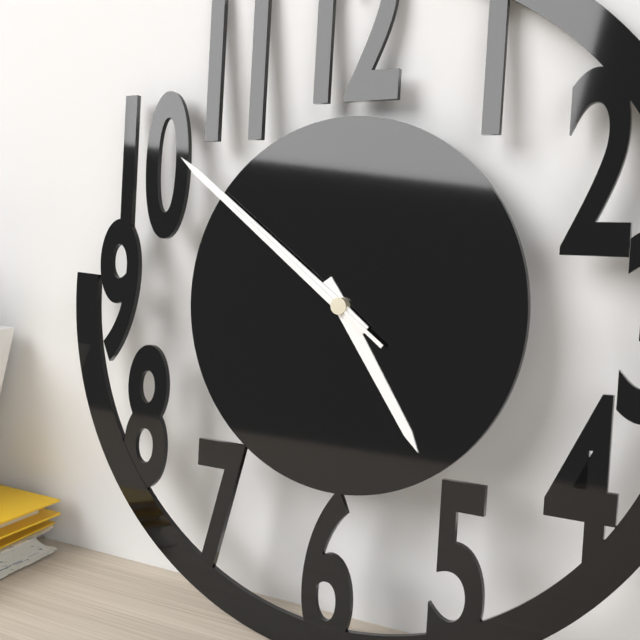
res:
4:51:51
